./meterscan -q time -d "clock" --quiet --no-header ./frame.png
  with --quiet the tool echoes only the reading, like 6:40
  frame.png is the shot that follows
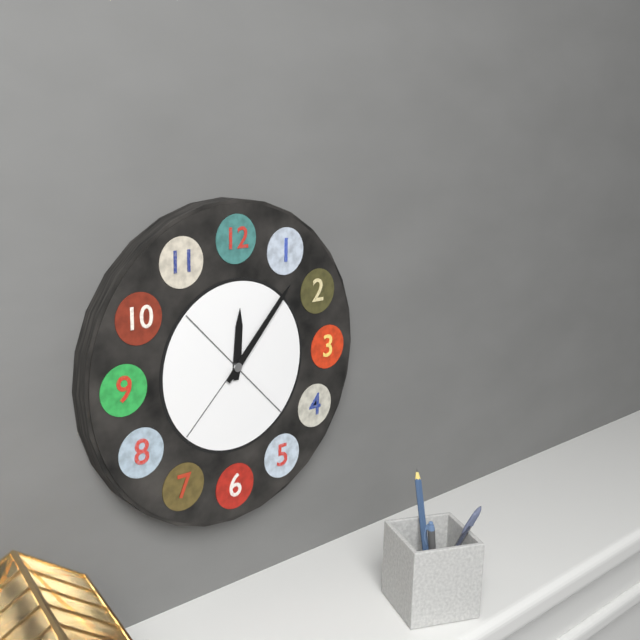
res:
12:07
